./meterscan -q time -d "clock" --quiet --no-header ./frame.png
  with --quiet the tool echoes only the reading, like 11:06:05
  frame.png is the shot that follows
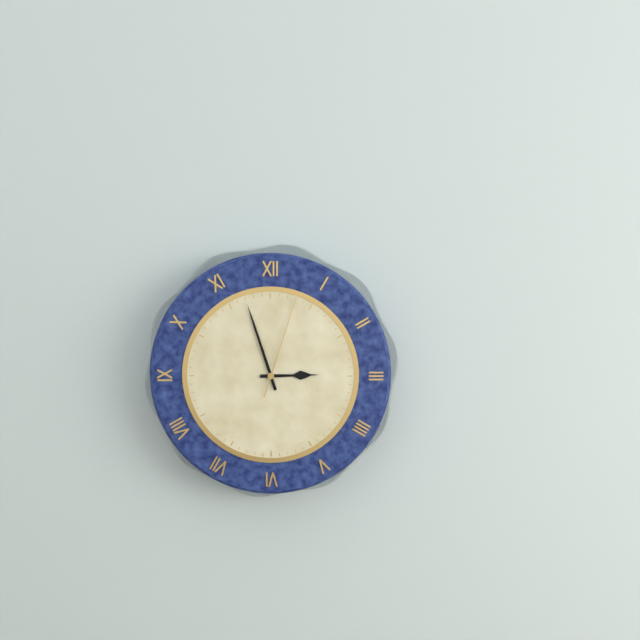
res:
2:57:03
